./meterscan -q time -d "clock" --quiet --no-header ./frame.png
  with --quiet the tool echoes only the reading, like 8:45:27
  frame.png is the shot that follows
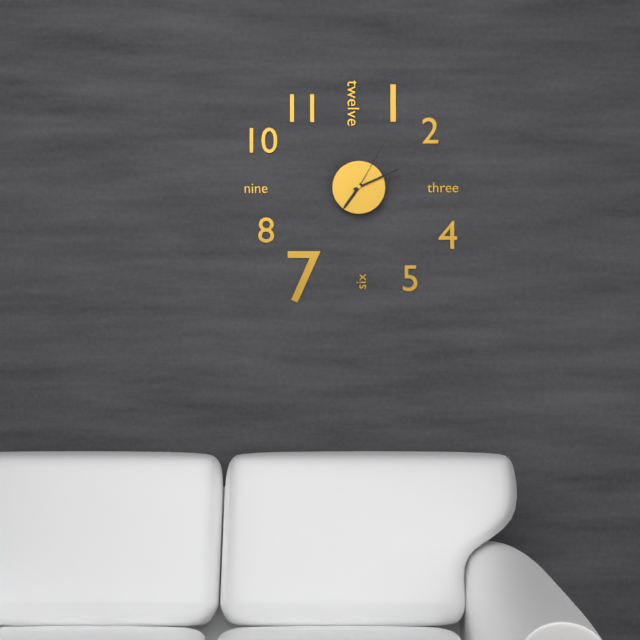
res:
7:11:05
